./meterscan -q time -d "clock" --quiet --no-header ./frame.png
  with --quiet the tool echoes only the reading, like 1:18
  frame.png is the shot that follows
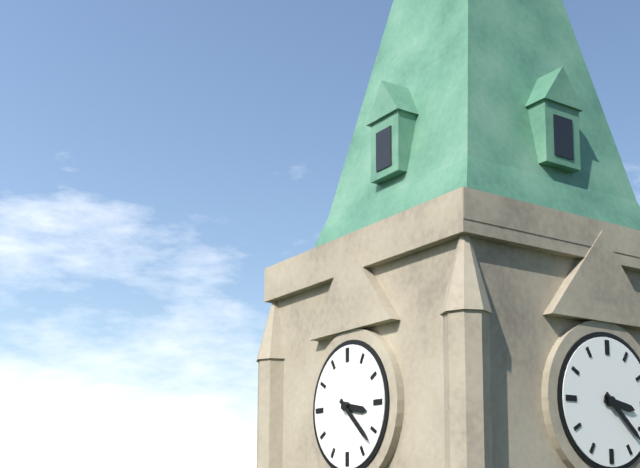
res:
3:22
